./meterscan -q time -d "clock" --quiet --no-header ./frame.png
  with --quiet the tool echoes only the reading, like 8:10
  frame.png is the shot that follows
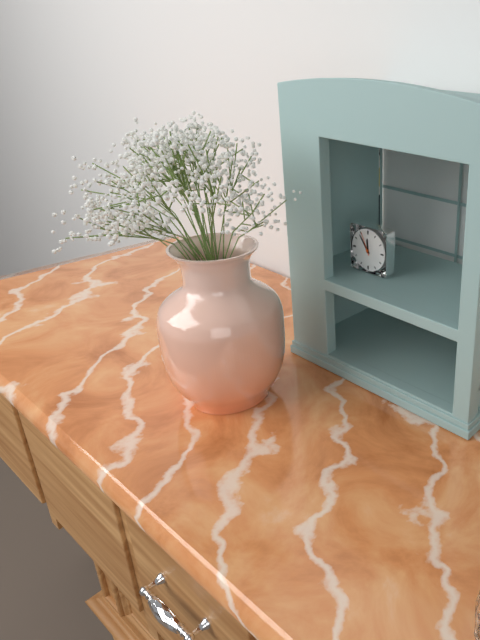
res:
11:54
